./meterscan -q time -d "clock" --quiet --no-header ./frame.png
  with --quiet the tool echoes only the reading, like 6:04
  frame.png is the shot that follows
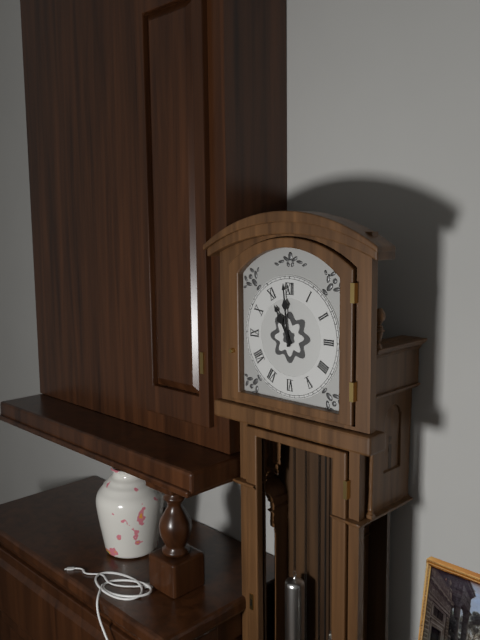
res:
10:59
